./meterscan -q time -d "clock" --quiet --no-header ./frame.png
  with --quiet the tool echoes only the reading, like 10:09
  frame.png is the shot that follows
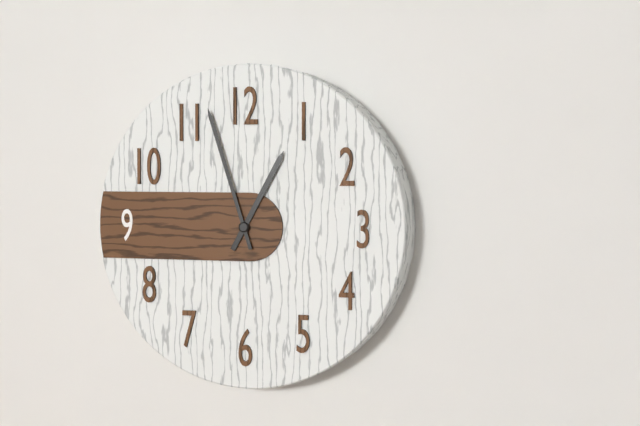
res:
12:57
